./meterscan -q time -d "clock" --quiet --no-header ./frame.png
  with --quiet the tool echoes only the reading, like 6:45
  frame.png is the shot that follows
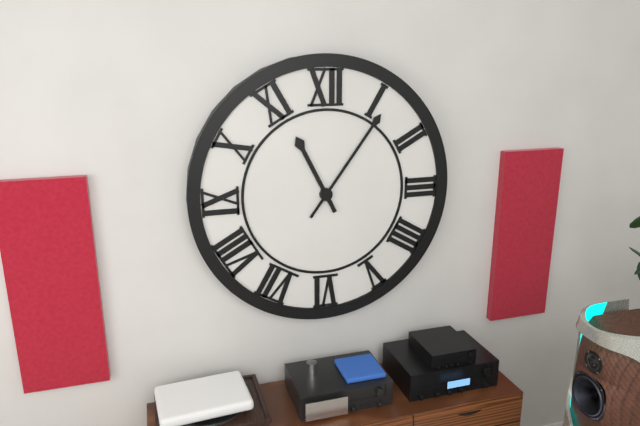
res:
11:06
